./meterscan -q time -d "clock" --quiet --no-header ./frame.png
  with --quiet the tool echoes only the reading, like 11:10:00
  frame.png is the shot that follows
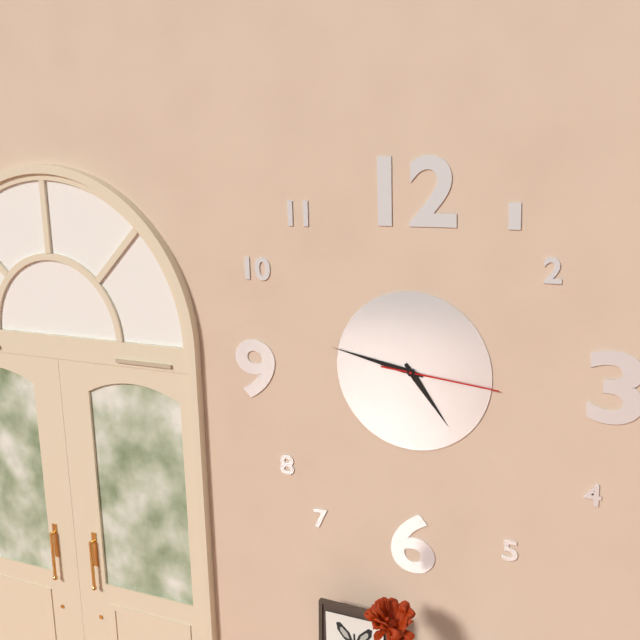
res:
4:47:16
